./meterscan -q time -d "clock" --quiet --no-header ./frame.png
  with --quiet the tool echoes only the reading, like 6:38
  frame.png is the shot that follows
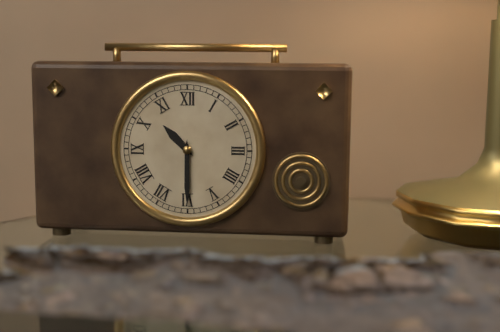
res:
10:30
